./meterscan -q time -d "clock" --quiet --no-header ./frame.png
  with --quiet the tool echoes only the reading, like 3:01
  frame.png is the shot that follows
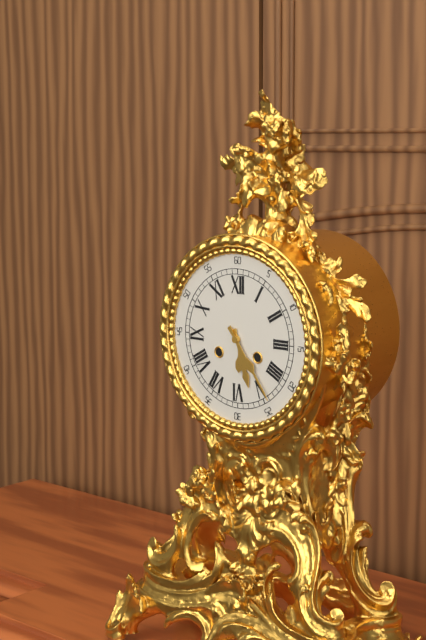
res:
5:24
